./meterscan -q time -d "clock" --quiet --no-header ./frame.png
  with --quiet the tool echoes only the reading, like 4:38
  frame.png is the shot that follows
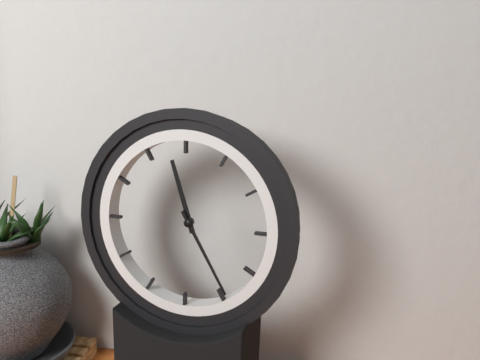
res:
11:25
